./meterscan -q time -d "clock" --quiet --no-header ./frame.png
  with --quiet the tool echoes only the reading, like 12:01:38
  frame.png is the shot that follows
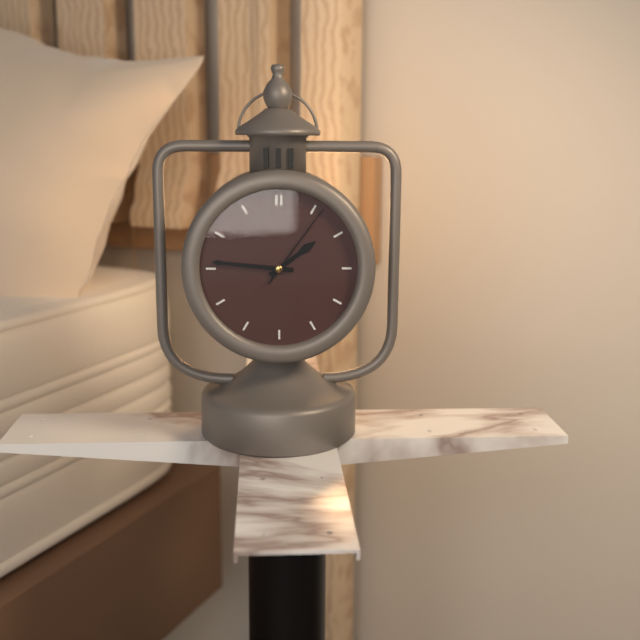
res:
1:46:06
